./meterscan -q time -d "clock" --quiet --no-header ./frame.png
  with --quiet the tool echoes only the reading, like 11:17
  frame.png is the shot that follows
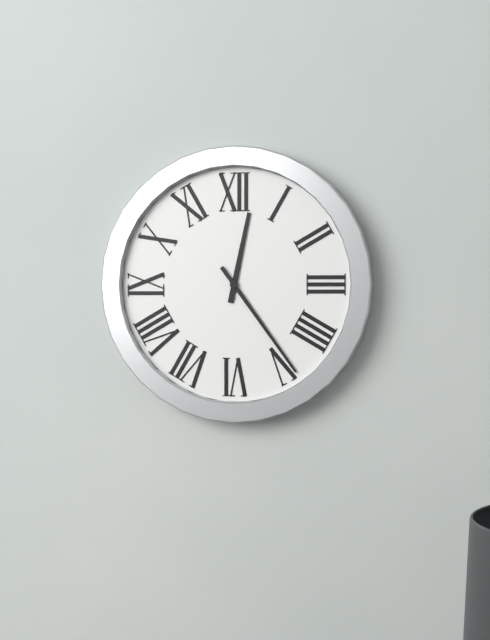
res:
12:24
